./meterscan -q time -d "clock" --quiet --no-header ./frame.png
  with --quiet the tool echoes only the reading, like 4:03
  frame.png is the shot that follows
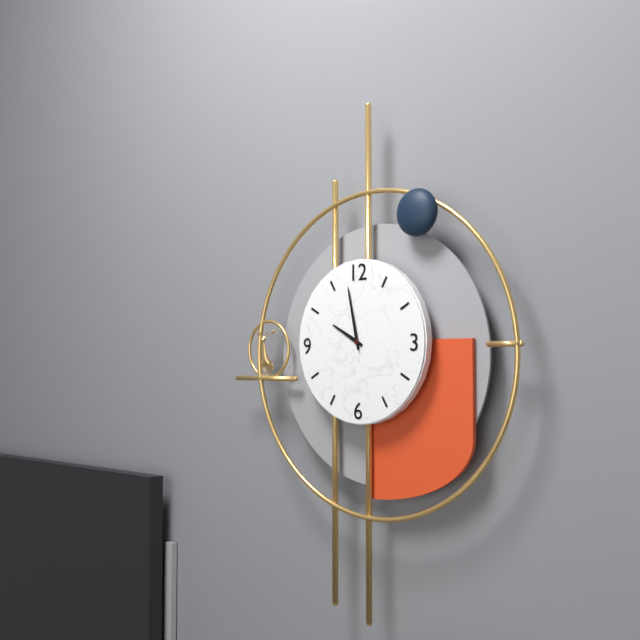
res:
9:58
